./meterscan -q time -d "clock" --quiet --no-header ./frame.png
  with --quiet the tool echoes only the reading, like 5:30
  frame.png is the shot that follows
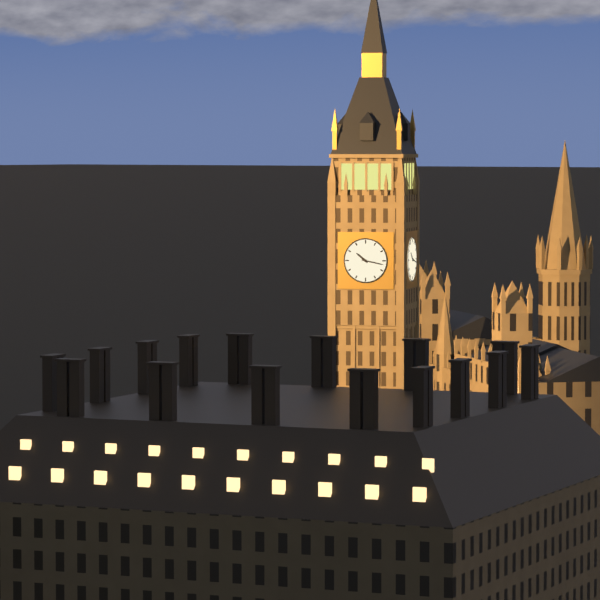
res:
10:17
